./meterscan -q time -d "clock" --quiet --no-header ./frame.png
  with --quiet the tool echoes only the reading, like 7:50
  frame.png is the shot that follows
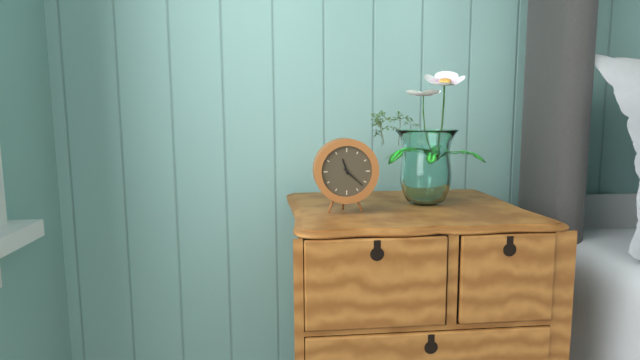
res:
11:22
